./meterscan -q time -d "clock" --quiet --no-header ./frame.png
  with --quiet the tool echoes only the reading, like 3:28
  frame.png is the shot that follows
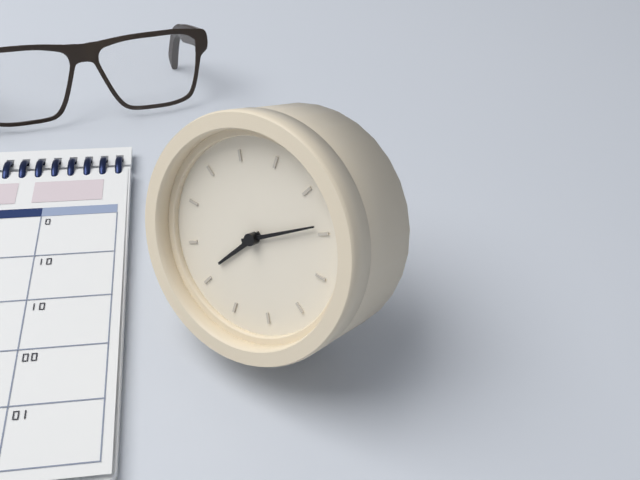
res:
7:09
